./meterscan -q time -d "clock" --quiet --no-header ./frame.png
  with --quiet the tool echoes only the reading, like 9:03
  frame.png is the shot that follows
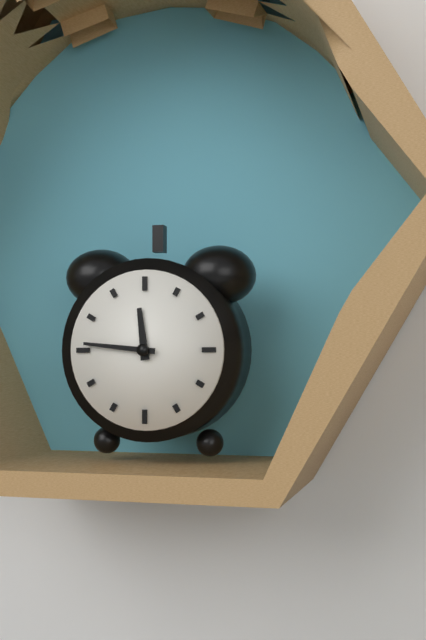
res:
11:46
